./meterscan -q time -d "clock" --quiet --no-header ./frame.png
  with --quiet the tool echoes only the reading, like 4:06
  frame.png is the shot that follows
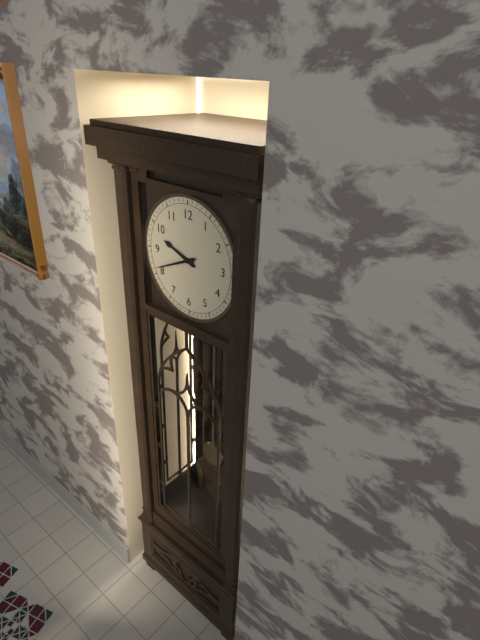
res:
9:41
